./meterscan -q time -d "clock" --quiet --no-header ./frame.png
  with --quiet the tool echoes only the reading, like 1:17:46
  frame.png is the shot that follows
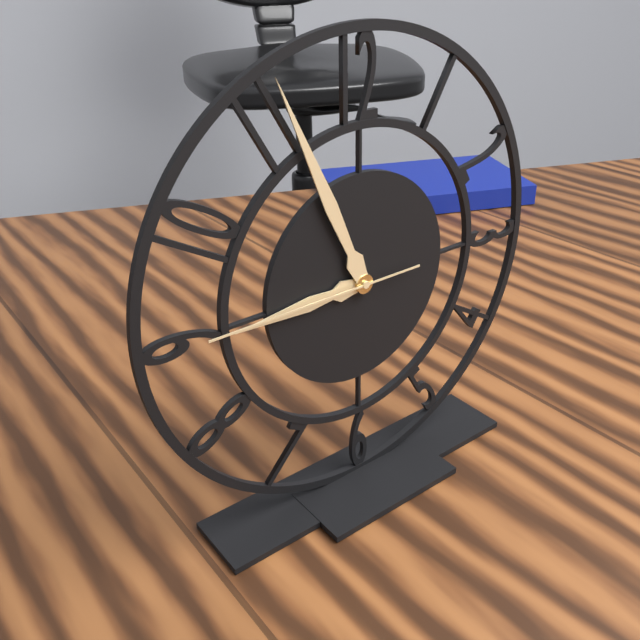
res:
8:56:45
